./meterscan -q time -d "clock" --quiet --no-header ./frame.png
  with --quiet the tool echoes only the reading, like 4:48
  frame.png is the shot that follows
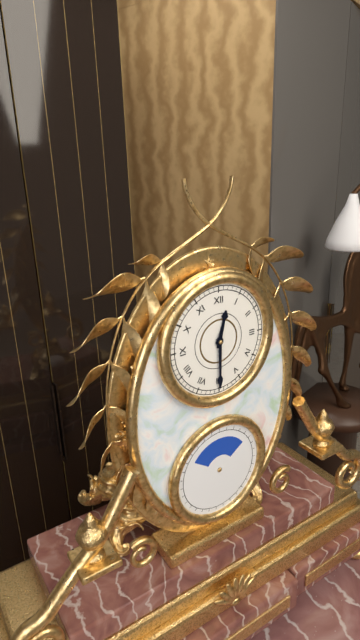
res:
12:30
